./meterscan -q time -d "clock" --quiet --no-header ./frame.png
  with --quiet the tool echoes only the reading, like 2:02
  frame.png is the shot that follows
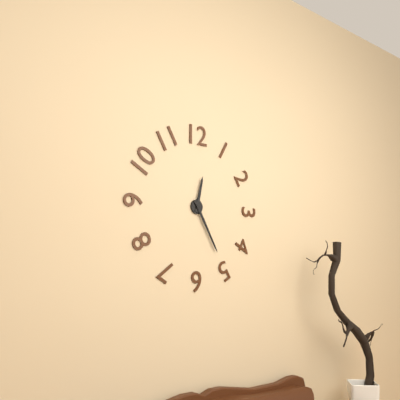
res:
12:25
